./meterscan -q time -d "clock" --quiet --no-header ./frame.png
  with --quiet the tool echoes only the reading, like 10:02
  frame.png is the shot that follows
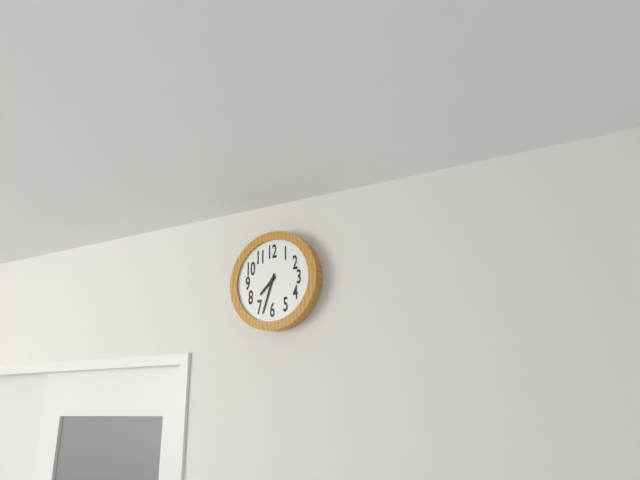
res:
7:33
